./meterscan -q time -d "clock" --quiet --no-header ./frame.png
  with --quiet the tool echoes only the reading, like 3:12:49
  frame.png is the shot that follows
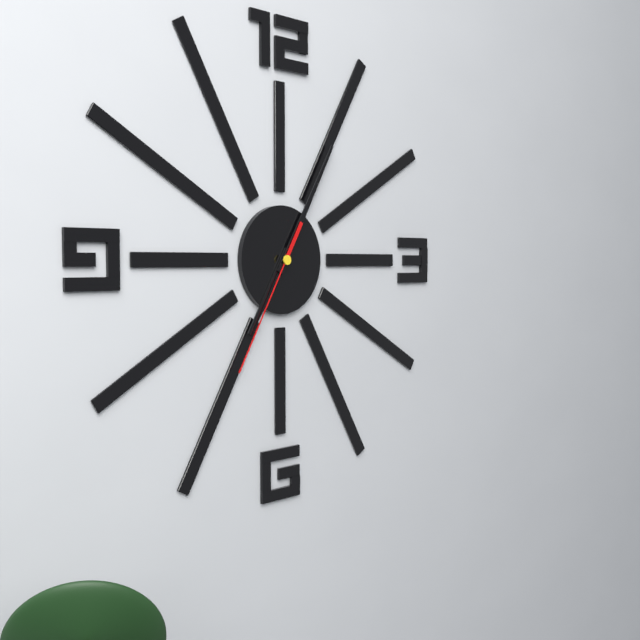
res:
7:05:35
